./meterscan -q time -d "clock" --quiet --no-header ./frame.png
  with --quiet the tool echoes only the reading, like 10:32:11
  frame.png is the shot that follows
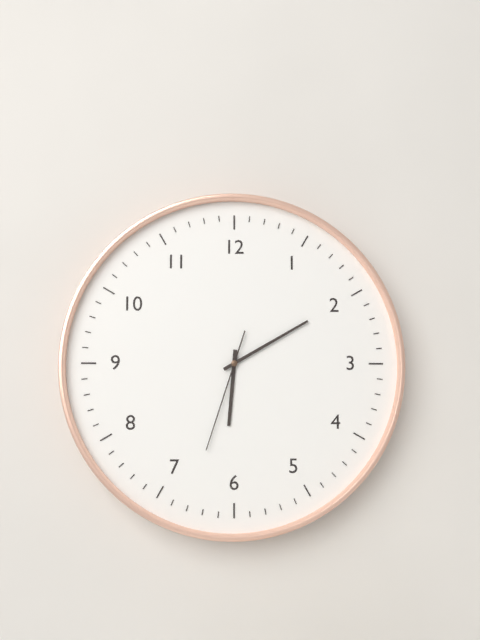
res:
6:10:33
